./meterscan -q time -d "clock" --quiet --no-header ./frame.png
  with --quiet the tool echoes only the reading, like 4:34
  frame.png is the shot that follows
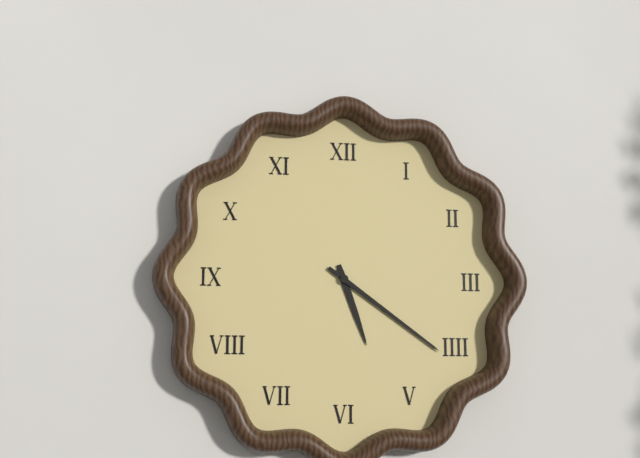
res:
5:21
